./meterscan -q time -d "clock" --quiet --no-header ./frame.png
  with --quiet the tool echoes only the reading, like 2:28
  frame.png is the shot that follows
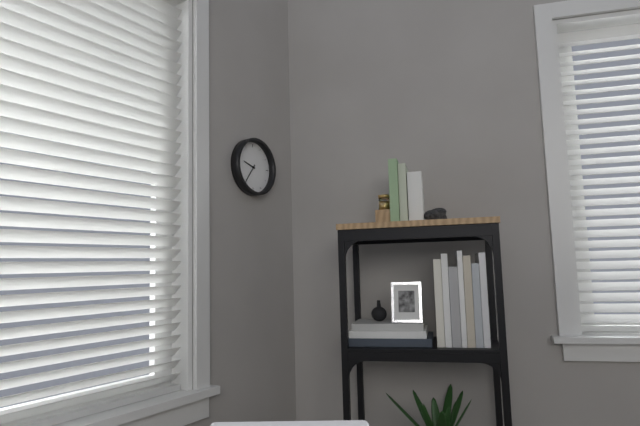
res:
9:36
